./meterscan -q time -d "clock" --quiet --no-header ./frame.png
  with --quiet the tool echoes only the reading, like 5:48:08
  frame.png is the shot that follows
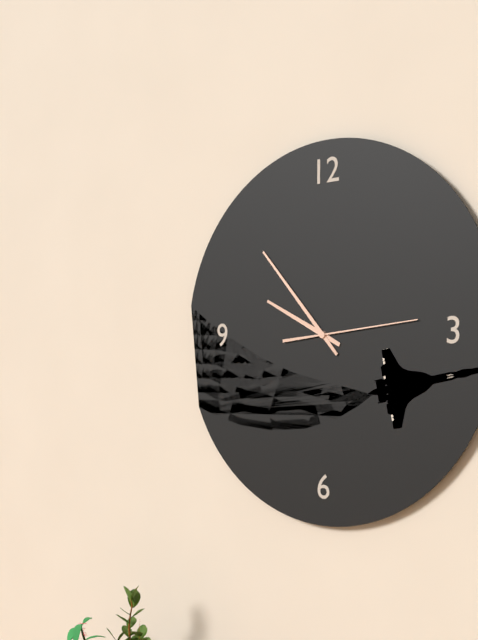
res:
9:53:14
